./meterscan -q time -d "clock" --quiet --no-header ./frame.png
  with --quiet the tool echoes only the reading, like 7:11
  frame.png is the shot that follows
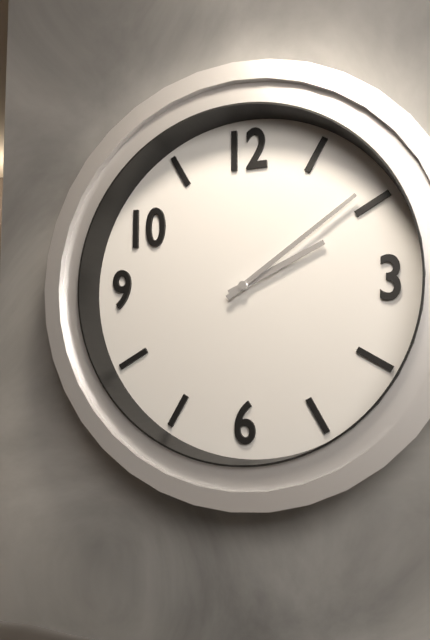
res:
2:09
